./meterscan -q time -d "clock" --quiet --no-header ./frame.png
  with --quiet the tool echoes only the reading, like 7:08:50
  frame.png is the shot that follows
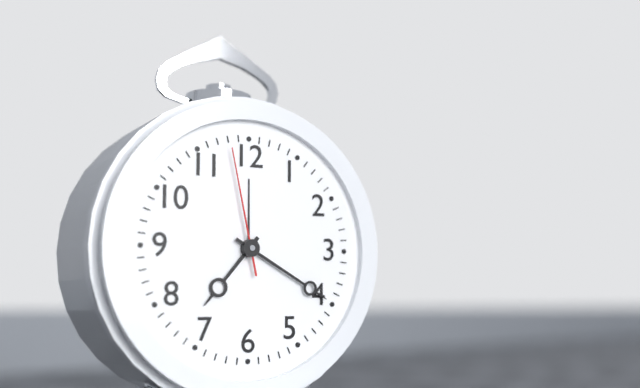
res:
7:20:58
